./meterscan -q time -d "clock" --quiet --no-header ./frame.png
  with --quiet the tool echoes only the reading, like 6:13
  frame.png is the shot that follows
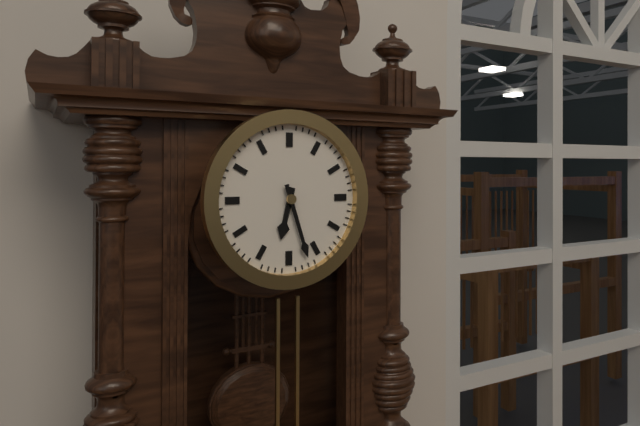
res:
6:27
